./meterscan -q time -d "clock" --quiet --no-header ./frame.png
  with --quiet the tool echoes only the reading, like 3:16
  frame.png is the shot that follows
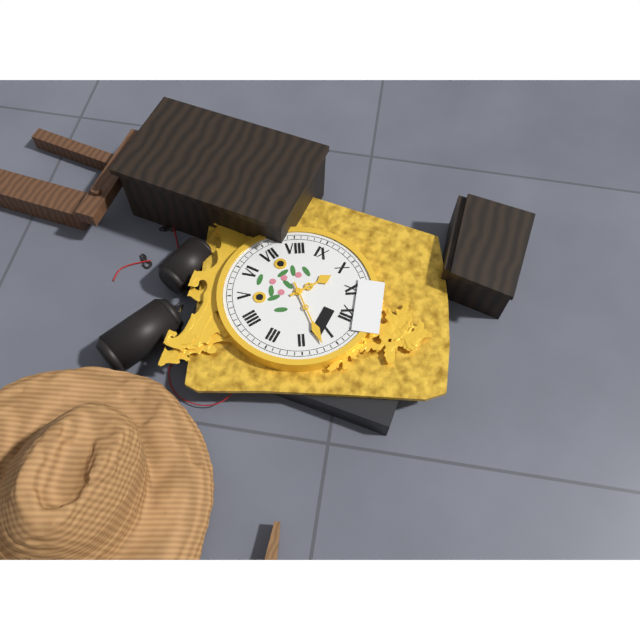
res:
10:07
